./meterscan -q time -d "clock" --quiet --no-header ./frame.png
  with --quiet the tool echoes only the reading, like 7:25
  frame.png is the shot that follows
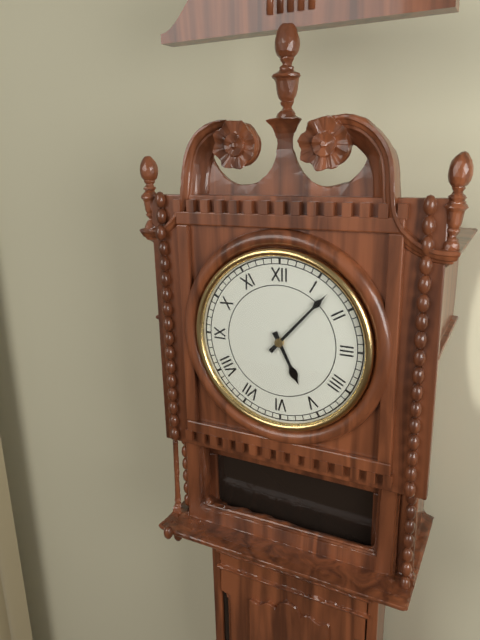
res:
5:07
